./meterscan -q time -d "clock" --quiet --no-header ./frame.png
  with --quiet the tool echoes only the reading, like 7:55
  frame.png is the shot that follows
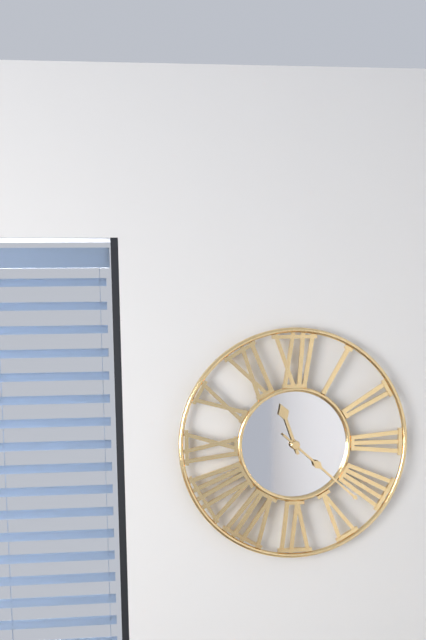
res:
11:22
